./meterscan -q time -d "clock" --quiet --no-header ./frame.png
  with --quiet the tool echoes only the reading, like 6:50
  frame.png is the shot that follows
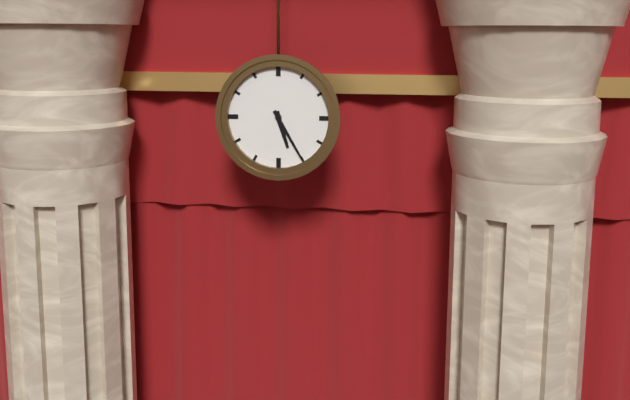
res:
5:25
